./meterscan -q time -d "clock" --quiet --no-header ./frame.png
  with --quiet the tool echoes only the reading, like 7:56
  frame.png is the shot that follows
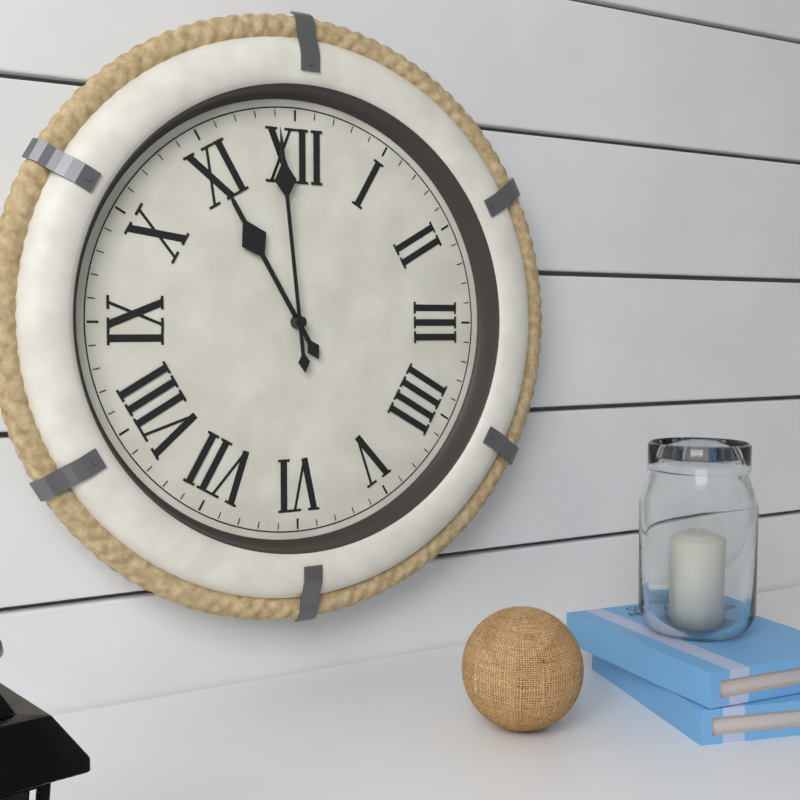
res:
10:59
